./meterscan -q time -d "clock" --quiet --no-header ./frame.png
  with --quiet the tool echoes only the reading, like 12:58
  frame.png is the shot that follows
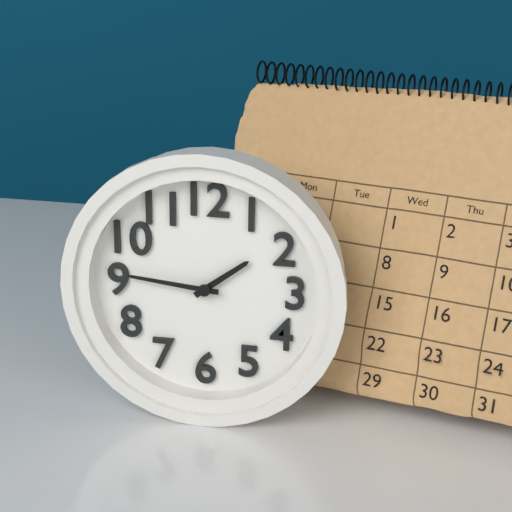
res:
1:46
